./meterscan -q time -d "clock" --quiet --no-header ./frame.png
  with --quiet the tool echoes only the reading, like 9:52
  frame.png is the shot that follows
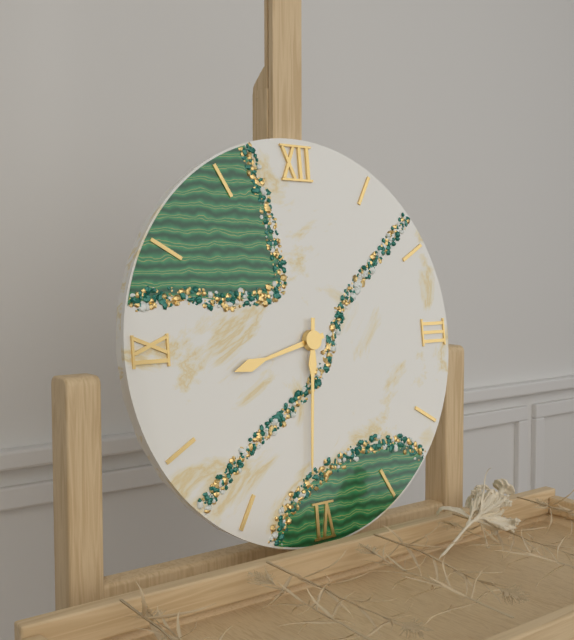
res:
8:31
